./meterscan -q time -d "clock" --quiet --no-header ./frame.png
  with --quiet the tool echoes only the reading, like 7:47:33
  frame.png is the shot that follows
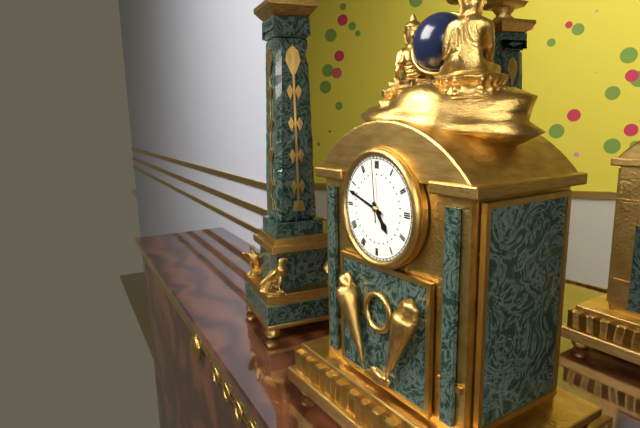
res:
4:48:59
